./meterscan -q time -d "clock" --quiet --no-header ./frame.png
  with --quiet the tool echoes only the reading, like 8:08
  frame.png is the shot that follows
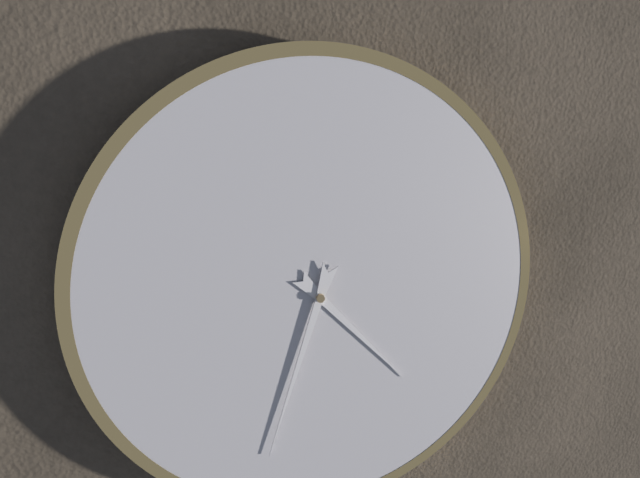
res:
4:33
